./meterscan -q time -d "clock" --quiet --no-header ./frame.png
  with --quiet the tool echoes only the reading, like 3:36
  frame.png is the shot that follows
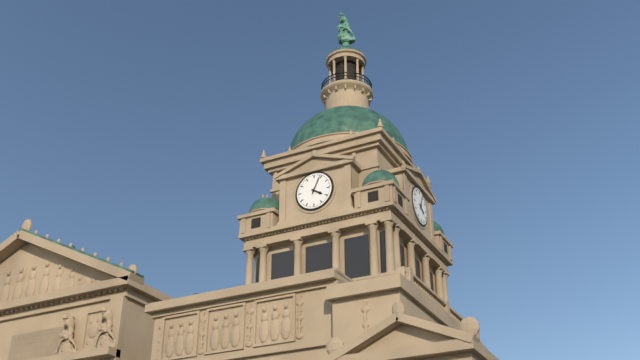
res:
4:04
